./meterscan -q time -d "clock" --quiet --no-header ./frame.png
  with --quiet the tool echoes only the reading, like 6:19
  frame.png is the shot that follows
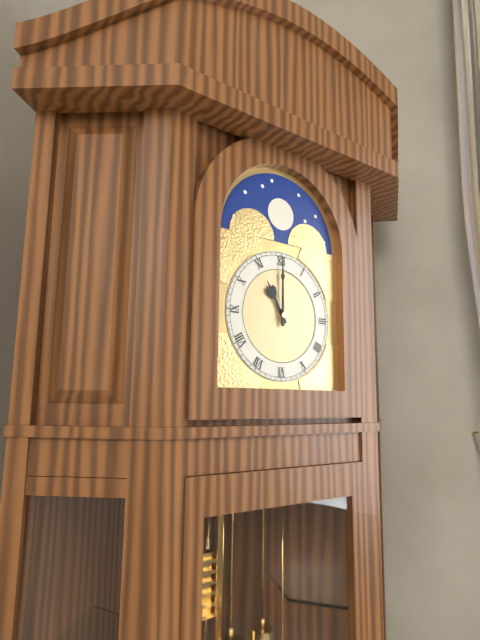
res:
11:00
